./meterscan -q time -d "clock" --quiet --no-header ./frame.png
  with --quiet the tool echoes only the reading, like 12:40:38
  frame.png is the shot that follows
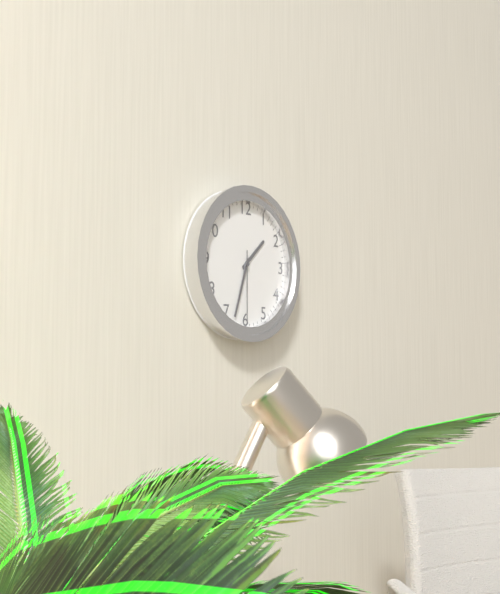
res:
1:33:30
